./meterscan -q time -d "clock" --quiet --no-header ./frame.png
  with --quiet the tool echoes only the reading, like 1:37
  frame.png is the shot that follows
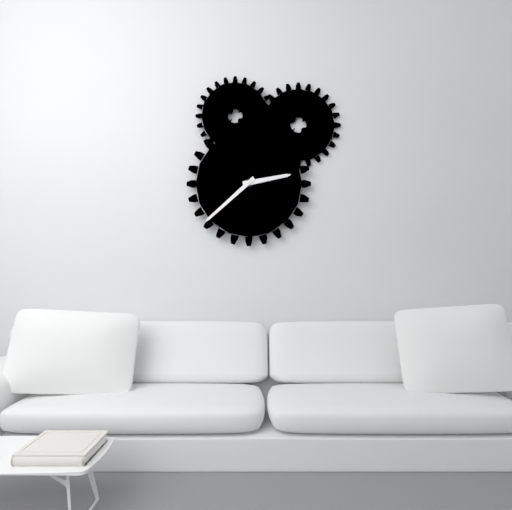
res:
2:38
